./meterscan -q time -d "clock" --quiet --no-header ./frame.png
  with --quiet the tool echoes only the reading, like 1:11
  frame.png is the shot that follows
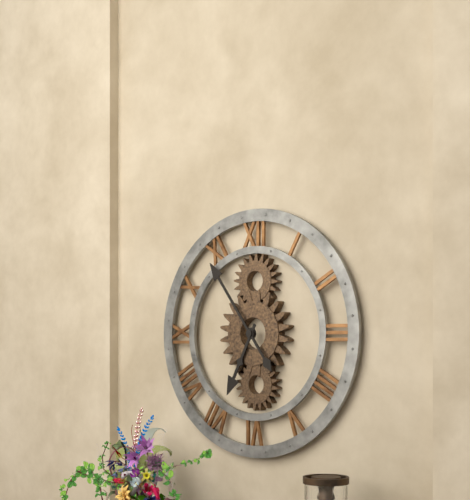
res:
6:54
